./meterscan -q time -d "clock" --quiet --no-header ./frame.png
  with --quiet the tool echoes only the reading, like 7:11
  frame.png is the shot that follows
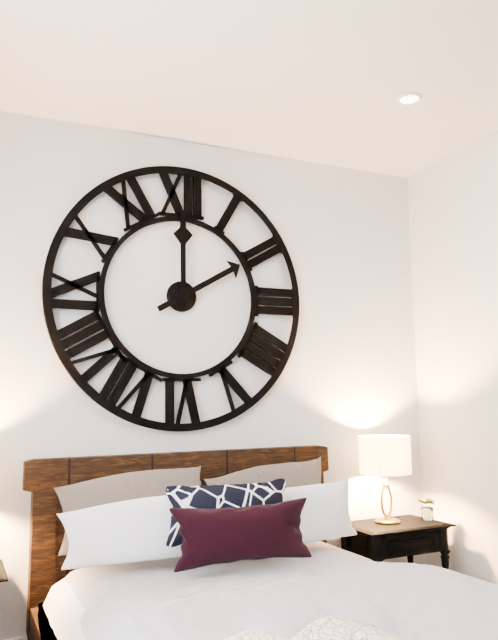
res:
2:00
